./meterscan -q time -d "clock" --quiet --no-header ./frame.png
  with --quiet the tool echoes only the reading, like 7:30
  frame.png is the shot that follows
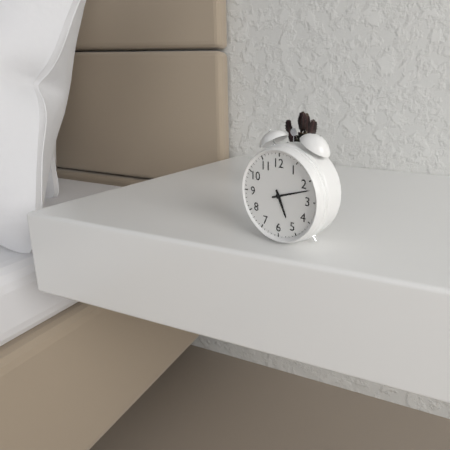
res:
5:12
